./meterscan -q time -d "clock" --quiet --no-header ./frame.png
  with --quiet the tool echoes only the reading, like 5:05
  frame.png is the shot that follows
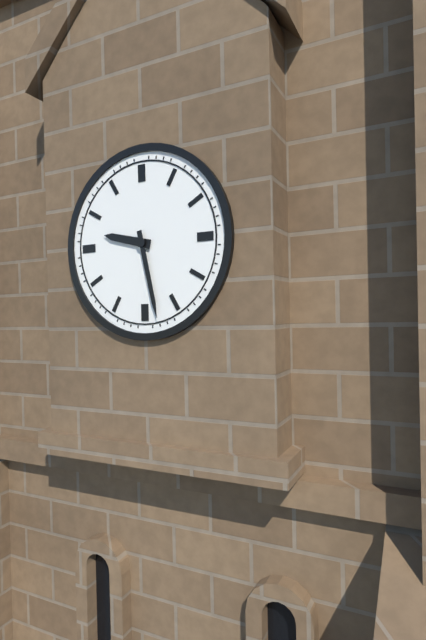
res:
9:28
